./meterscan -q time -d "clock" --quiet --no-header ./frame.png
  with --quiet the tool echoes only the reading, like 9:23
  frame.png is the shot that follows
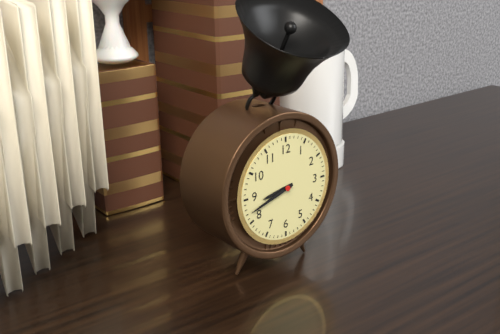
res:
8:42
